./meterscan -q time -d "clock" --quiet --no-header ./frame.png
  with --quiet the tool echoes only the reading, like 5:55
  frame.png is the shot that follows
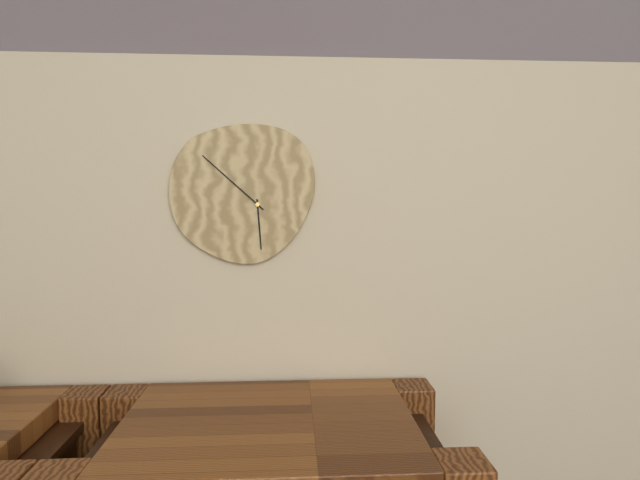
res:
5:52
